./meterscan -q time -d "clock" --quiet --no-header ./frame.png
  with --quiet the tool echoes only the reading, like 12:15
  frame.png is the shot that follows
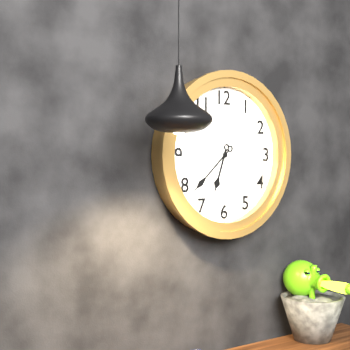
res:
6:38
